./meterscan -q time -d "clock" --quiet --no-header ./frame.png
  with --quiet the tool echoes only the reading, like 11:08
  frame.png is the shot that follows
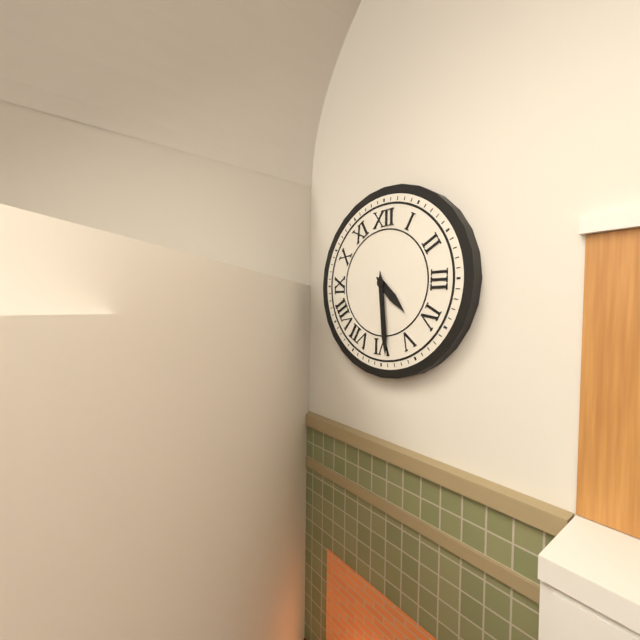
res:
4:29
